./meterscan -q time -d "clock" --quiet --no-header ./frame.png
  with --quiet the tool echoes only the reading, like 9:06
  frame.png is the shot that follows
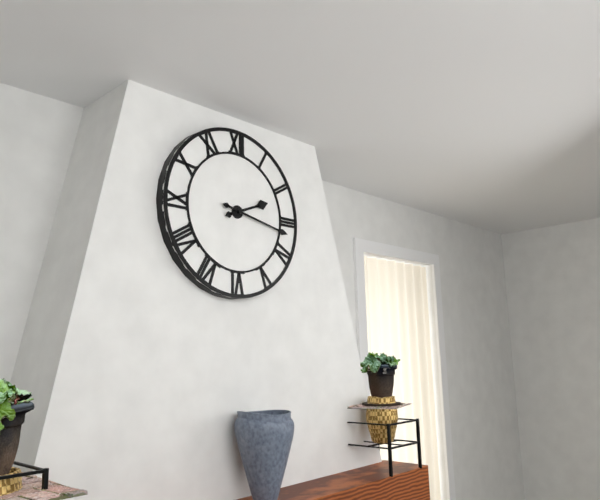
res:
2:17
